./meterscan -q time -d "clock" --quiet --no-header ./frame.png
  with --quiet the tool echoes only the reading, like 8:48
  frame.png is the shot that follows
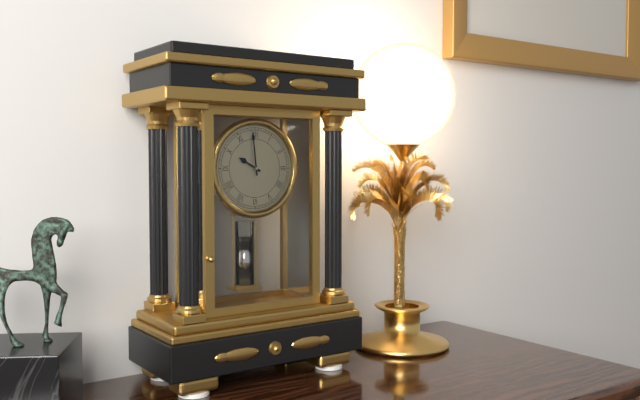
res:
9:59
